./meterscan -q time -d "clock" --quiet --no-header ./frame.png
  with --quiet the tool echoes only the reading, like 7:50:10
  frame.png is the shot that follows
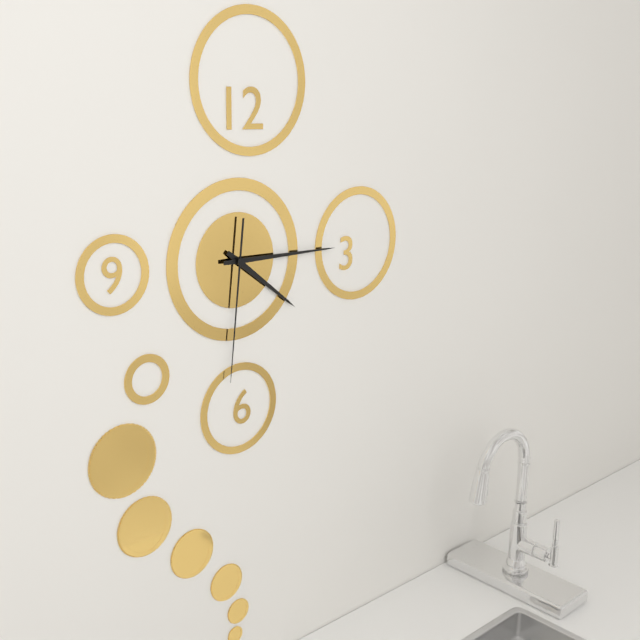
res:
4:15:31
